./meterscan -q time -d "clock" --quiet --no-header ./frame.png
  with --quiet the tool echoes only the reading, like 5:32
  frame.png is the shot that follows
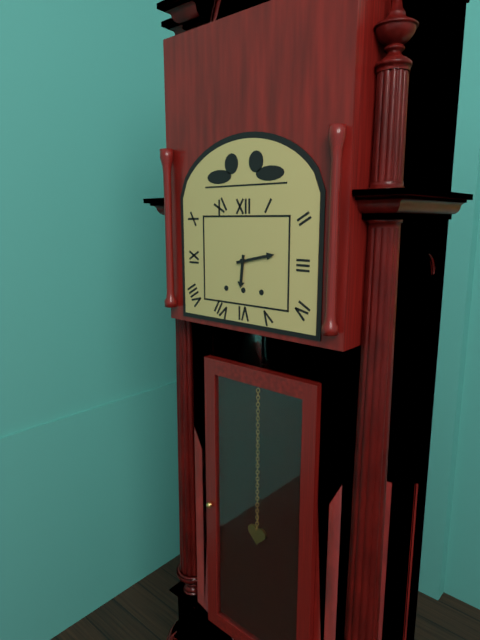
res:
6:13
